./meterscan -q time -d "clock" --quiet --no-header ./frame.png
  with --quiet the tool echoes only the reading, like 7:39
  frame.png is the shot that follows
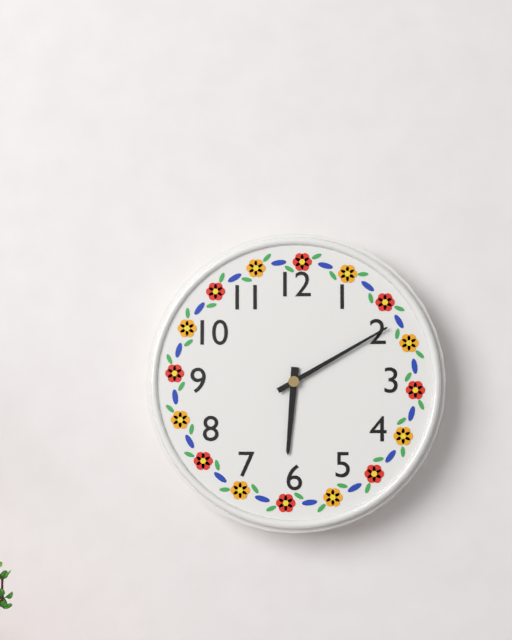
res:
6:10
